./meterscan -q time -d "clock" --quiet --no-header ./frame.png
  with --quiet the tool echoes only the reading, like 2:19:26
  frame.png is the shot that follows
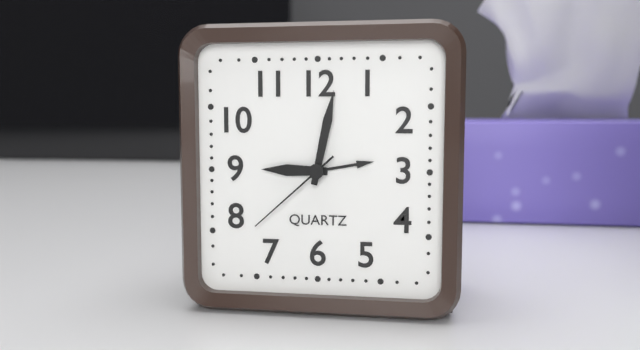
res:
9:02:38
